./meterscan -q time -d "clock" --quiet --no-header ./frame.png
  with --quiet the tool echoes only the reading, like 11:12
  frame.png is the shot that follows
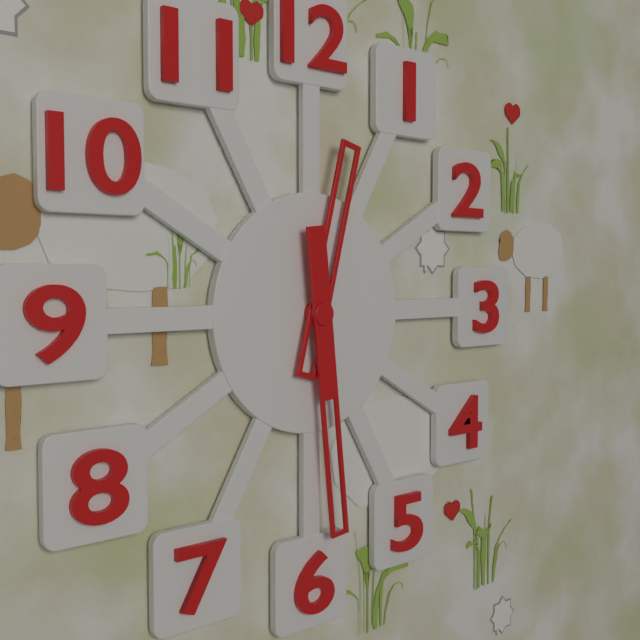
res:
12:29
